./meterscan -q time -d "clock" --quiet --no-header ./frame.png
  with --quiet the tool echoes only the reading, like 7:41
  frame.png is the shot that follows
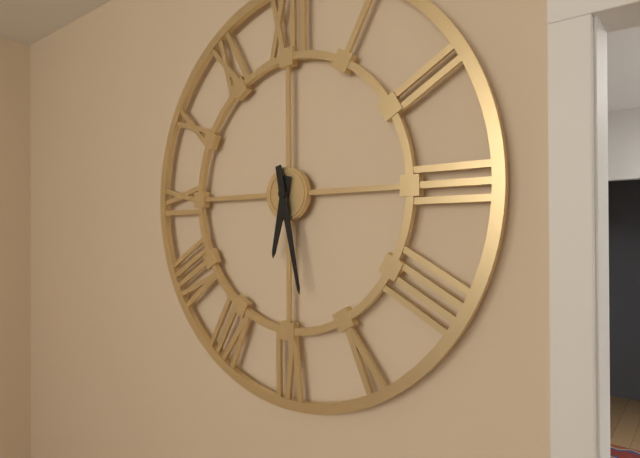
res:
6:28
